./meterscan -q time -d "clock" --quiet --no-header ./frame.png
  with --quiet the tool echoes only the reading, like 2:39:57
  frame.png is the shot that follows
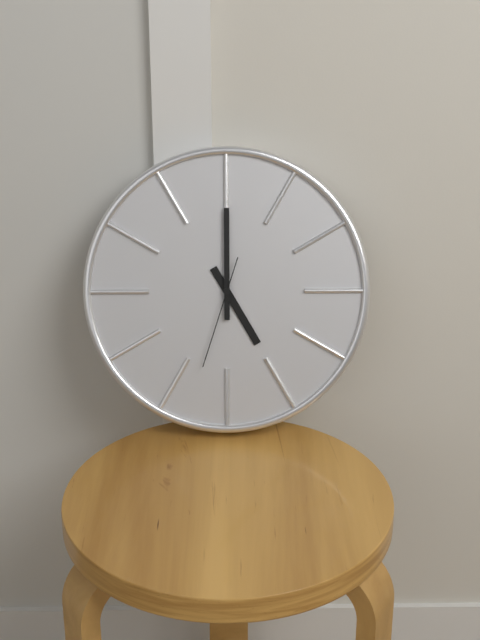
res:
5:00:33
